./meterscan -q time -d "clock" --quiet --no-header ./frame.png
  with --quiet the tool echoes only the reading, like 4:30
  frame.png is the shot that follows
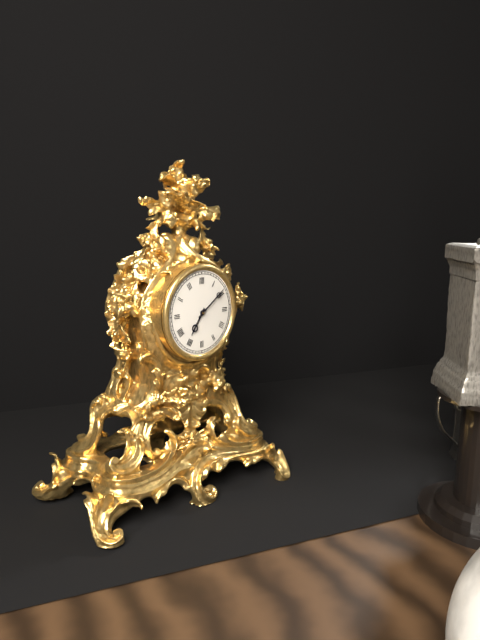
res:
7:09
